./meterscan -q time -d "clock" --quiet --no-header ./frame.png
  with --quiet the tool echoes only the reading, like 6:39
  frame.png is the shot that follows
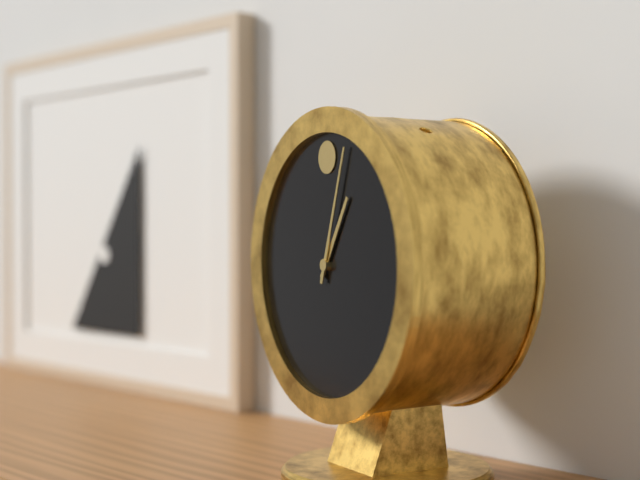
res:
1:03
